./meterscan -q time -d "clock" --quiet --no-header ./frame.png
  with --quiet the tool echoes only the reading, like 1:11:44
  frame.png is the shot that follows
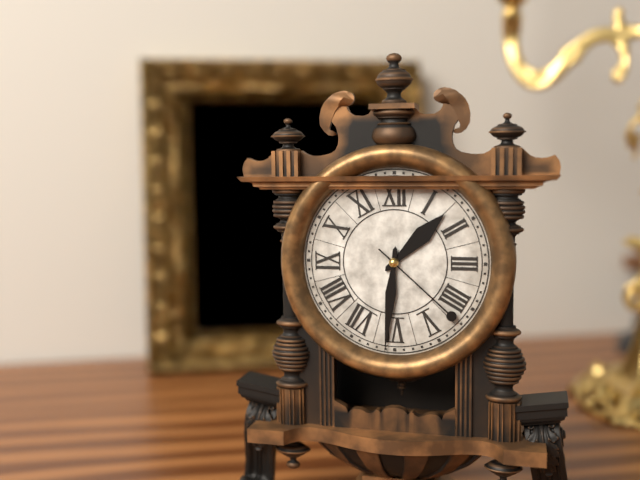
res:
1:31:22
